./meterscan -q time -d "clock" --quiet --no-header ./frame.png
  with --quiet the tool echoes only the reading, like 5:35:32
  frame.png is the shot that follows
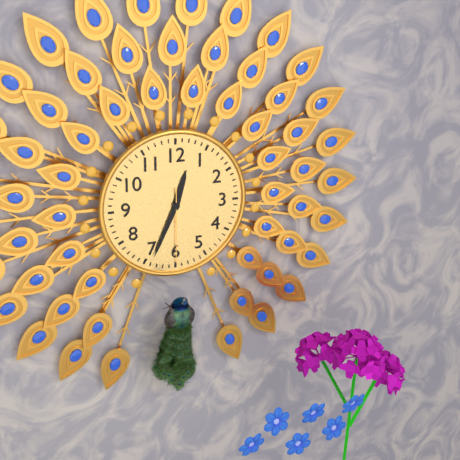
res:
12:34:30
